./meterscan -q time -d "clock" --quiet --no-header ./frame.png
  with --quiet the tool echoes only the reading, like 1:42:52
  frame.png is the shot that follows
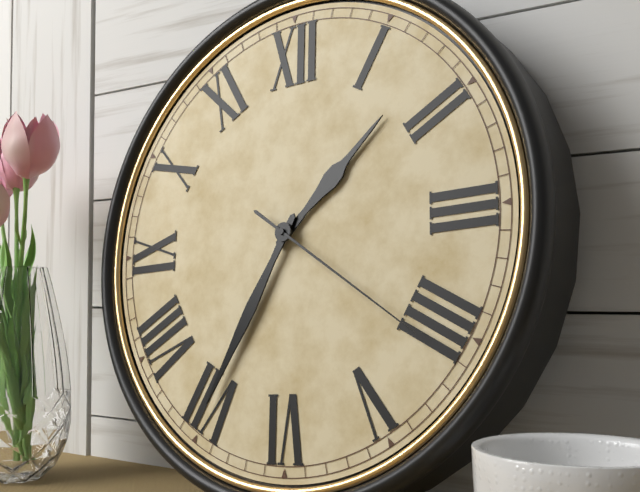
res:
1:35:21
